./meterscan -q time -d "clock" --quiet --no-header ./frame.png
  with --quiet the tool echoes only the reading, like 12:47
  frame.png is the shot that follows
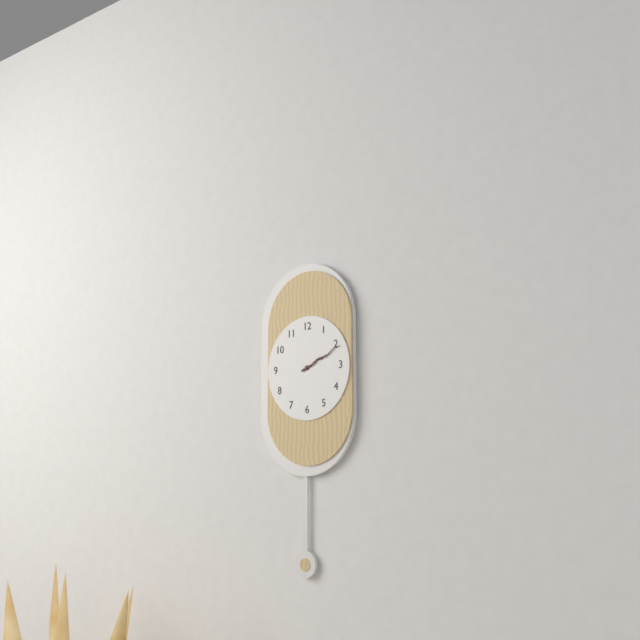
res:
2:11
